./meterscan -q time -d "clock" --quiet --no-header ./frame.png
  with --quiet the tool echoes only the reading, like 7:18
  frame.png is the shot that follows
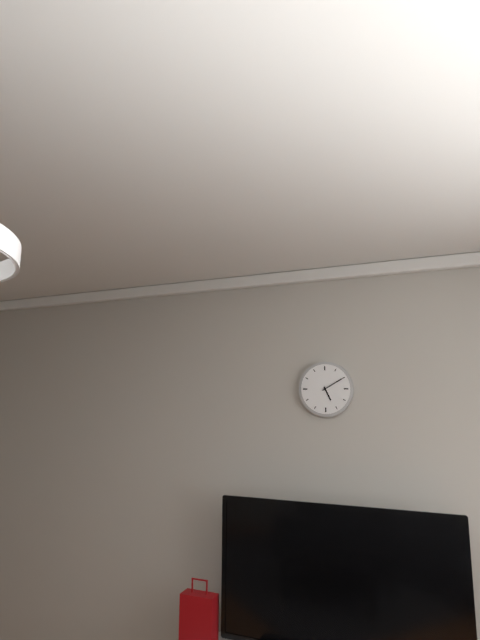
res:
5:10
